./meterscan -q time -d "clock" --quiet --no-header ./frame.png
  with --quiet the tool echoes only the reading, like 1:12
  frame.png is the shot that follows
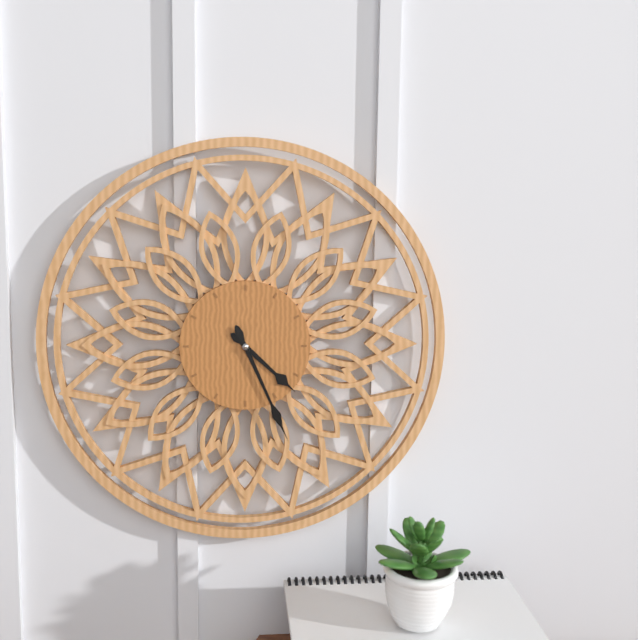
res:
4:26
